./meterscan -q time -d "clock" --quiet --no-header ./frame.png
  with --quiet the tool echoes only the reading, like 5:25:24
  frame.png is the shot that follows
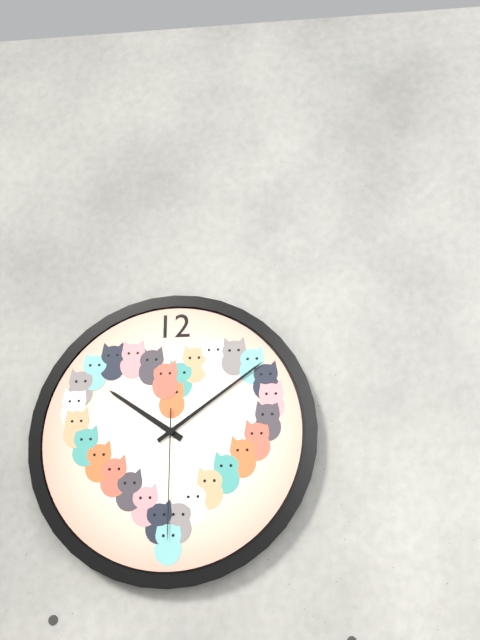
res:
10:09:30
